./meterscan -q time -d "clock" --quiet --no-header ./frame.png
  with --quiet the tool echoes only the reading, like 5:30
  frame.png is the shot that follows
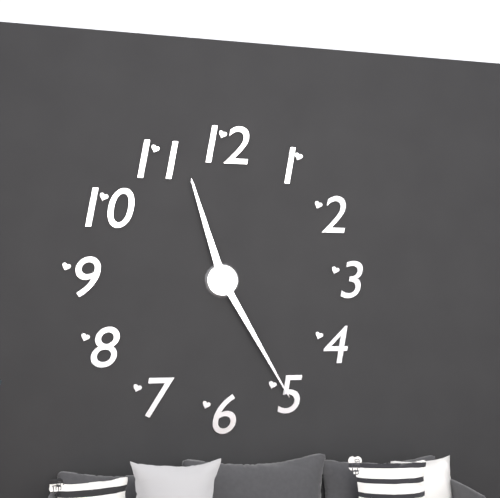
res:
11:25
